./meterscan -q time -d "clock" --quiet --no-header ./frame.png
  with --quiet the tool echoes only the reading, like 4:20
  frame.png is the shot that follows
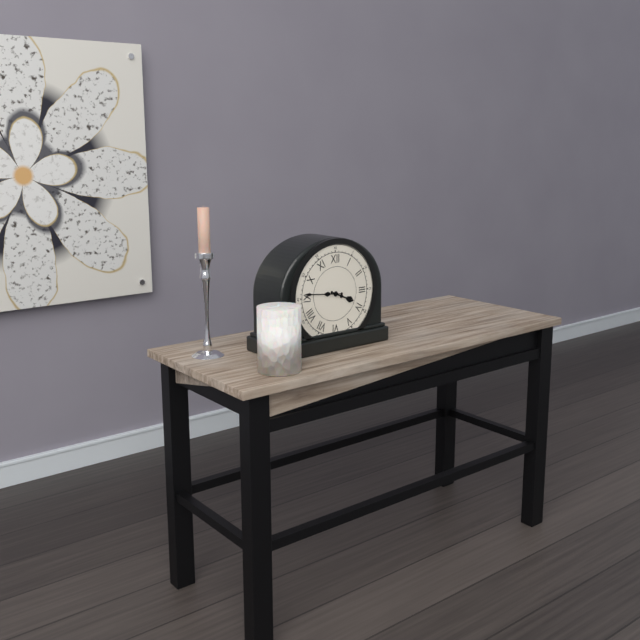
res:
3:46
